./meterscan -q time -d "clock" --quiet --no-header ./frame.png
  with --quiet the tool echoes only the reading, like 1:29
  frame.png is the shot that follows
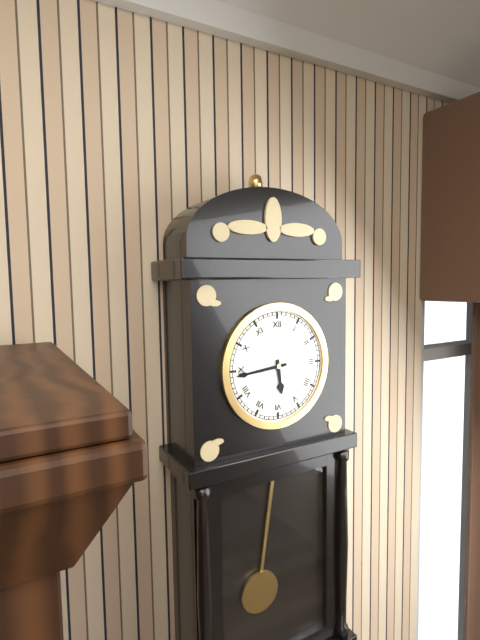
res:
5:44
